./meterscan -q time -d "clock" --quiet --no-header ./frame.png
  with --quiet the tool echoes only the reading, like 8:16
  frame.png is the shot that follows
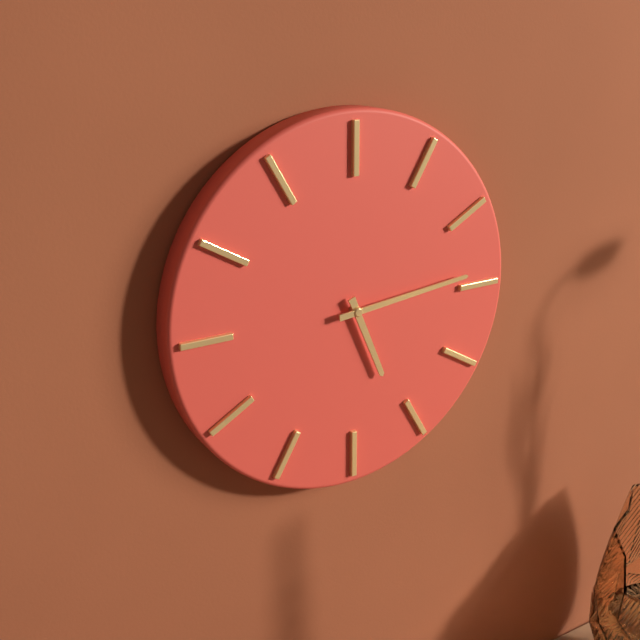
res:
5:14
